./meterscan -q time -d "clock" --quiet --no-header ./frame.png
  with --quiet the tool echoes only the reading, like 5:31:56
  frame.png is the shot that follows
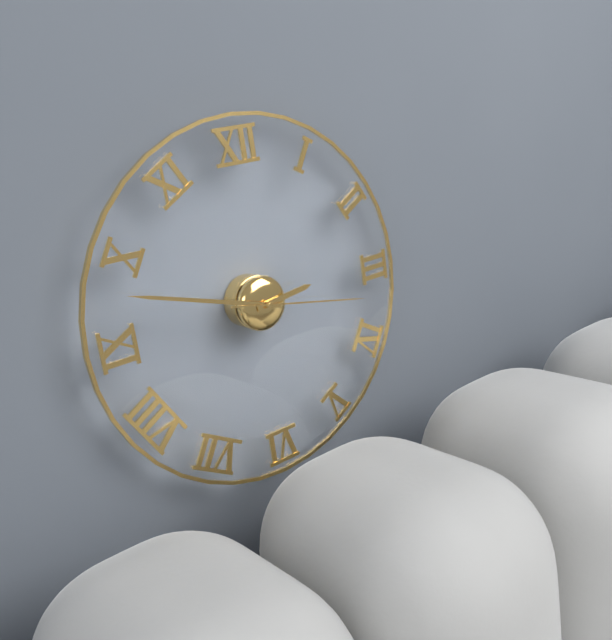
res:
2:48:17
